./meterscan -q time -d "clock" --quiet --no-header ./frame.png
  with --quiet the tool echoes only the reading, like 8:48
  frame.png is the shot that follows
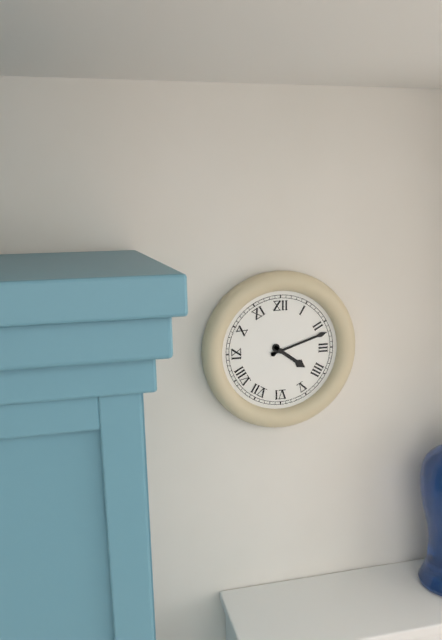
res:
4:12
